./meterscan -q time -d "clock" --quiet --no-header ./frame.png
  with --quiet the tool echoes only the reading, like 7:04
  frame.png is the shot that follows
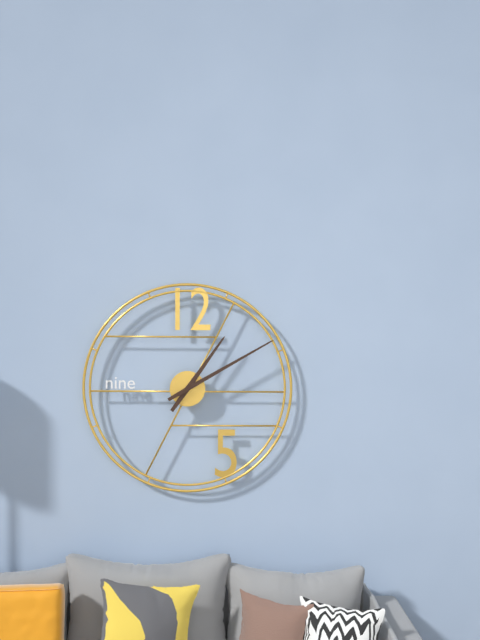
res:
1:10
